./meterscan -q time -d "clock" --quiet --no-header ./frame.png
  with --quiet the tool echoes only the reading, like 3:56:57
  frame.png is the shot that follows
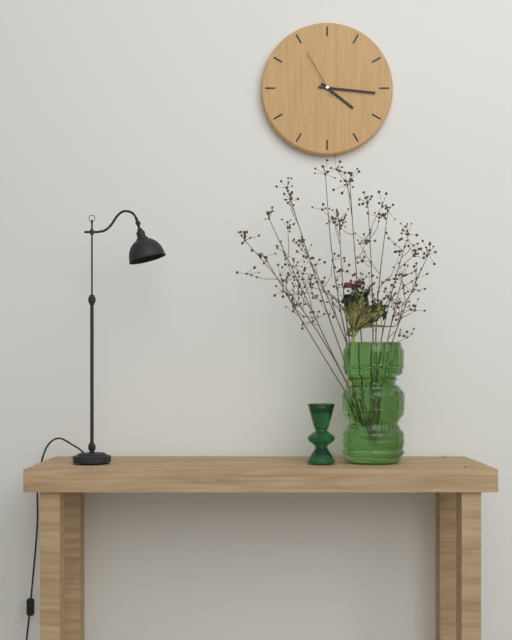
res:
4:16:55
